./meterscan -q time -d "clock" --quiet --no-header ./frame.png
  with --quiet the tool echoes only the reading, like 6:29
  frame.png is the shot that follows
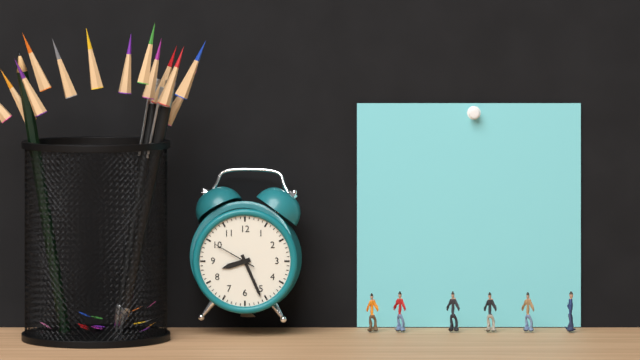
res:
8:26
